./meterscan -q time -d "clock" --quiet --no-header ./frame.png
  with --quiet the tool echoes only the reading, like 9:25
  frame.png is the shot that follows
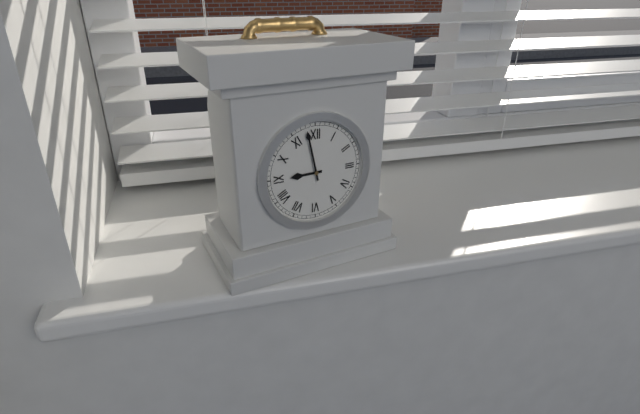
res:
8:58
